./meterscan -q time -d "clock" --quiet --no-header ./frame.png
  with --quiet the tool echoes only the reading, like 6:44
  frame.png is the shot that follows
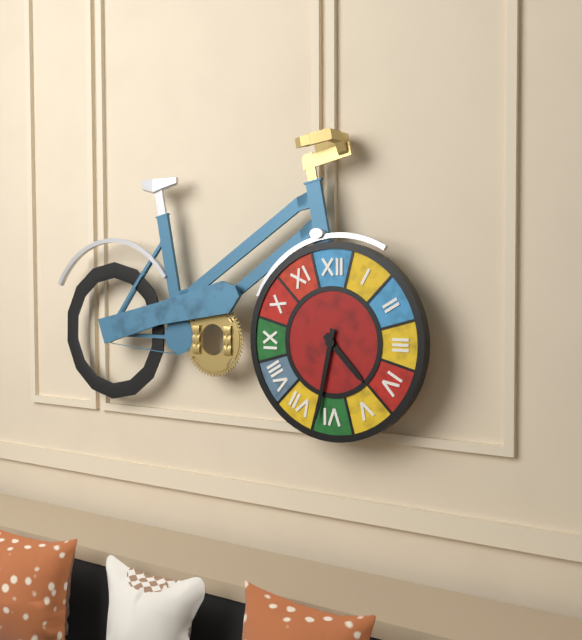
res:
4:32
